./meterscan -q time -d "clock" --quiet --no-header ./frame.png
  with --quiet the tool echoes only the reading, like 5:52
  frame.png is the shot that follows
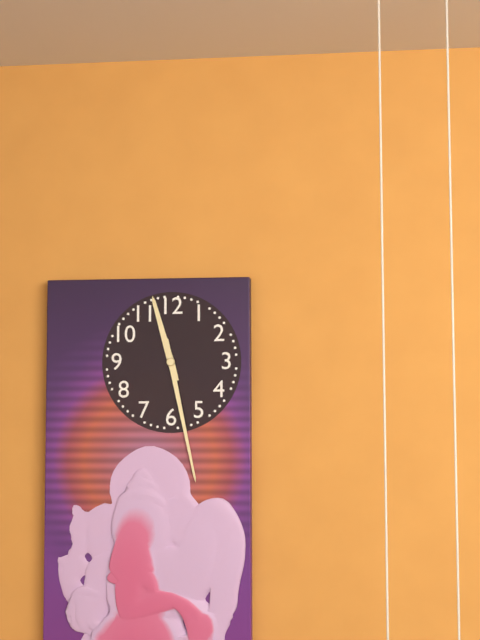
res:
11:28
